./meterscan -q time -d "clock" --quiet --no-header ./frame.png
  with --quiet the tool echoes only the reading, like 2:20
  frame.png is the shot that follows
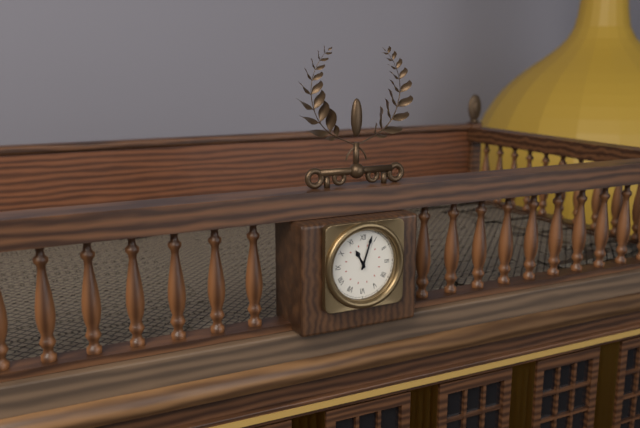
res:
11:03
